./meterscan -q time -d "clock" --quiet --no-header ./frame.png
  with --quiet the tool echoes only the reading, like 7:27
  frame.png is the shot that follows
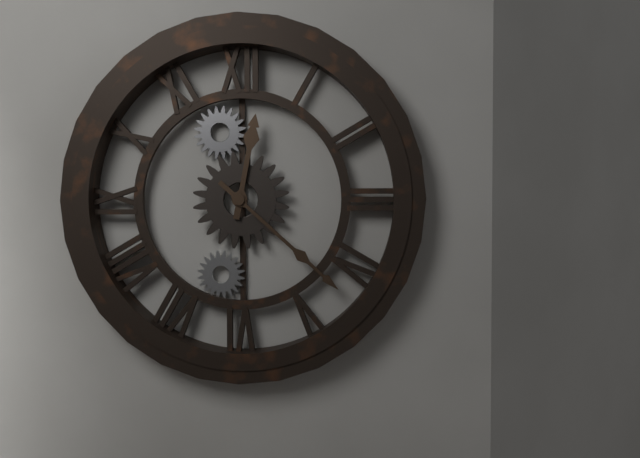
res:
12:22
